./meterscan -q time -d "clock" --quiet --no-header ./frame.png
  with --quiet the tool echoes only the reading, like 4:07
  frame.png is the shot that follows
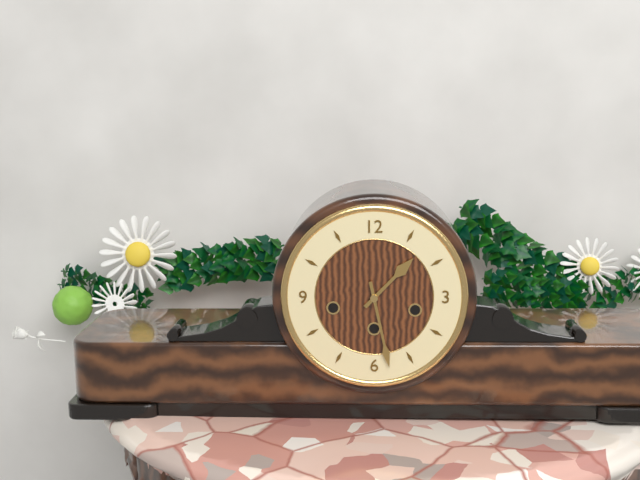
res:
1:28
